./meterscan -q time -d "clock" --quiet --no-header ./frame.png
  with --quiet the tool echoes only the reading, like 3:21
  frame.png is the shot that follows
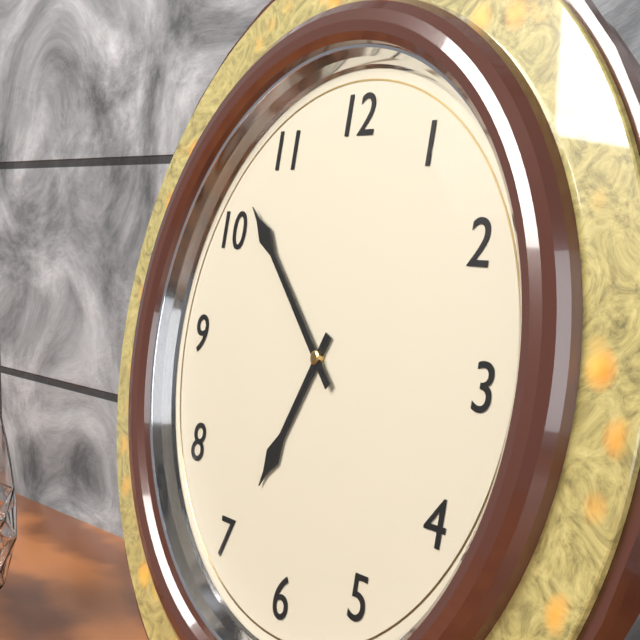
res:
6:52
